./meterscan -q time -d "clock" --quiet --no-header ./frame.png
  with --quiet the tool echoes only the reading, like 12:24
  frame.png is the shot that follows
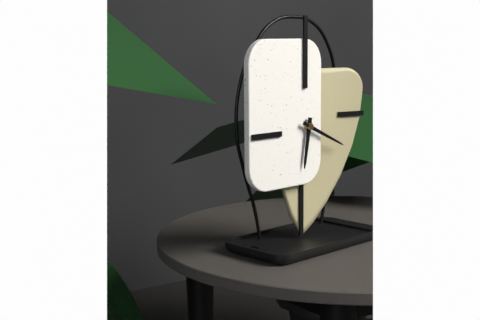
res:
6:19
